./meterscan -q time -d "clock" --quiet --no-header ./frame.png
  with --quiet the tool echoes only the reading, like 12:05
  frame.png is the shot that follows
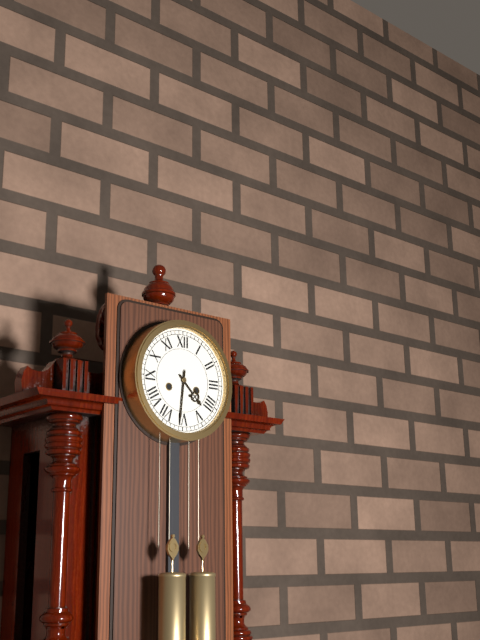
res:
4:31
